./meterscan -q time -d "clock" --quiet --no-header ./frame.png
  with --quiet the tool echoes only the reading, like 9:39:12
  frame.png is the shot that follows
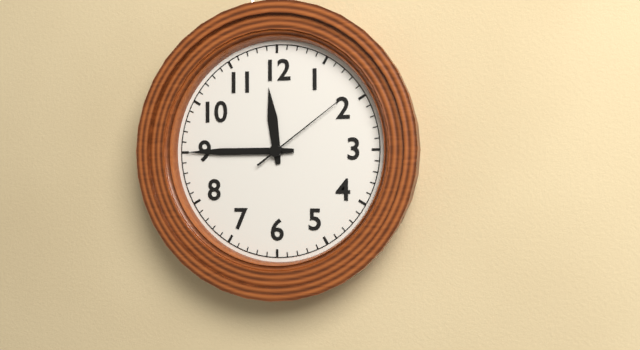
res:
11:45:09
